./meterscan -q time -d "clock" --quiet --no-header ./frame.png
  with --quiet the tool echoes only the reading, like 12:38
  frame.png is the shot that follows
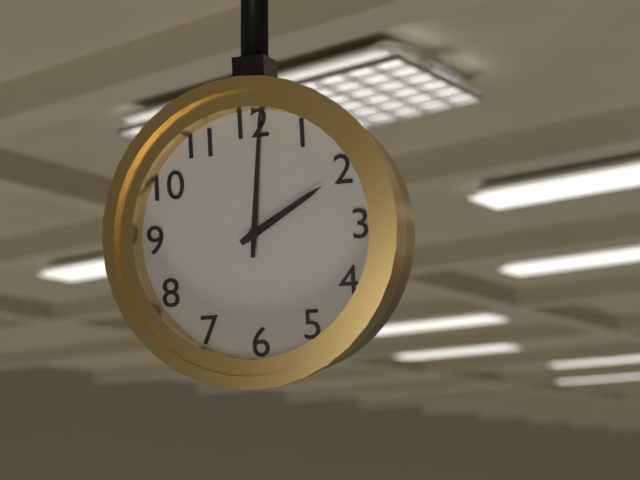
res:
2:01
